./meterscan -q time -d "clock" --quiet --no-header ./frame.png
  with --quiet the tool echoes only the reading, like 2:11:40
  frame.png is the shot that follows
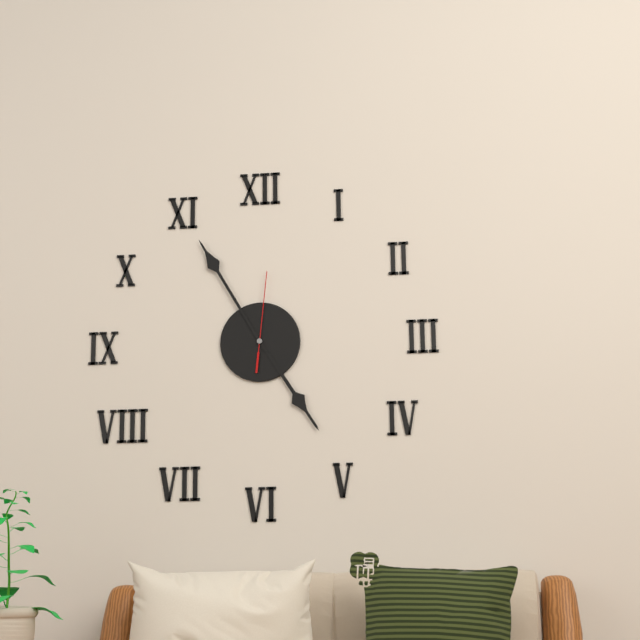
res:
4:55:01
